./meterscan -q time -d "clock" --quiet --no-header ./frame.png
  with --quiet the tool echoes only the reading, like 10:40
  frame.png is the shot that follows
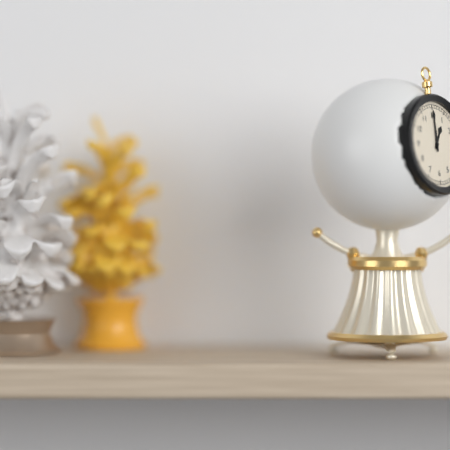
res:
1:00
